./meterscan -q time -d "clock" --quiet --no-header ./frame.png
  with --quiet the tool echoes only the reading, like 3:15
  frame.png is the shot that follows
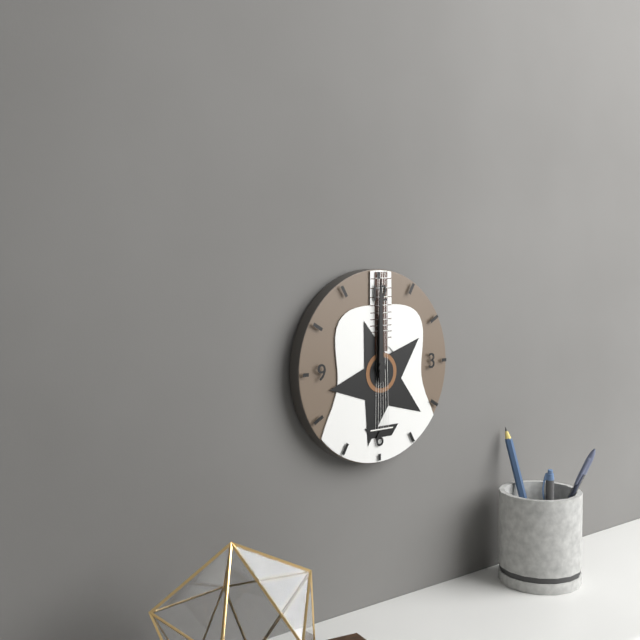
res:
12:00
